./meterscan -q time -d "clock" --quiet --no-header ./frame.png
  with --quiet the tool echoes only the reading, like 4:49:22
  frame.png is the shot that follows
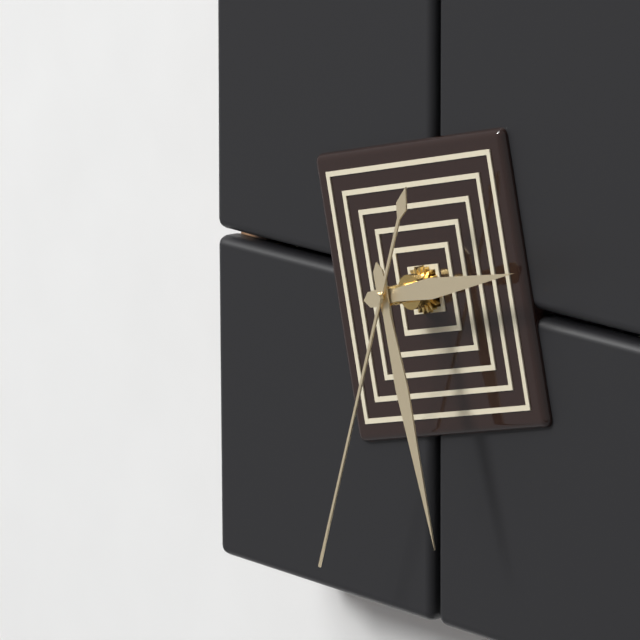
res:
2:27:33
